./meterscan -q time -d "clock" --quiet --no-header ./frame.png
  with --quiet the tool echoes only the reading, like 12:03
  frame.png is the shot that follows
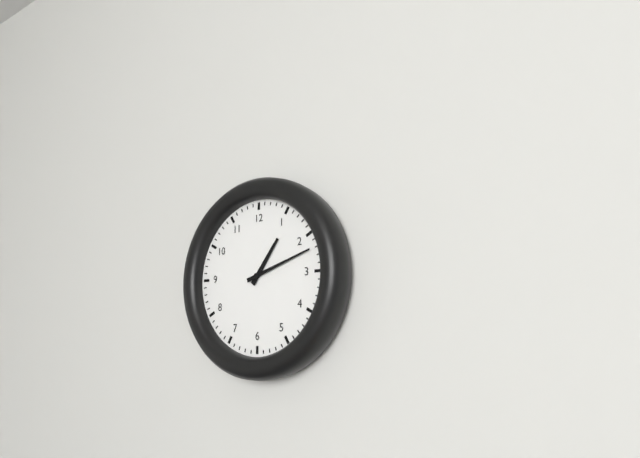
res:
1:12
